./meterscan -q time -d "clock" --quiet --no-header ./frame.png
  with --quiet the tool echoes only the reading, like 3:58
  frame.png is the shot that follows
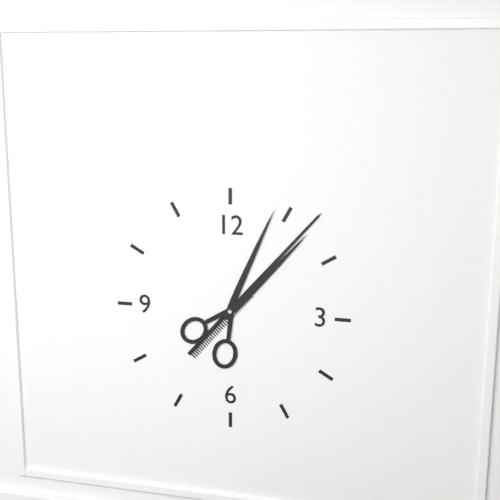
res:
1:07
